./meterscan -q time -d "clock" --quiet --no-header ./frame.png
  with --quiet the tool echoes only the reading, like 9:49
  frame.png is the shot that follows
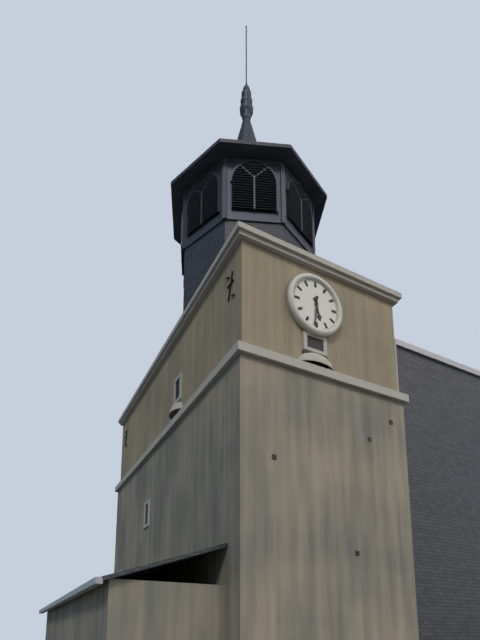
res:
5:31
